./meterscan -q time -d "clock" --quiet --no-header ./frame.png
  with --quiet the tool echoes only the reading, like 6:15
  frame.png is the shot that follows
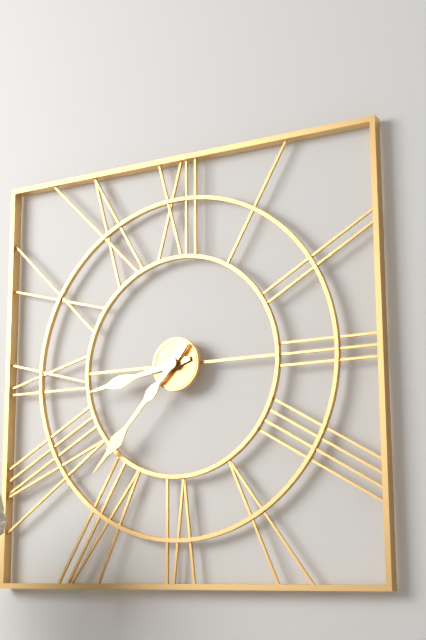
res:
8:37
